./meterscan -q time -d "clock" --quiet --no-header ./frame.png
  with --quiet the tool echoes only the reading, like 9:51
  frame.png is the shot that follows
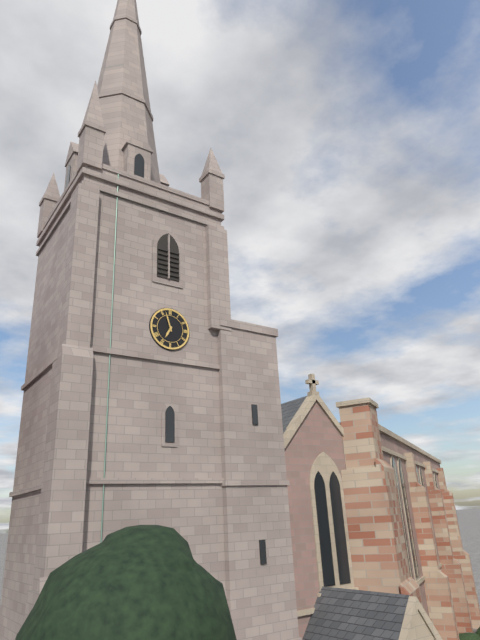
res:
6:57
